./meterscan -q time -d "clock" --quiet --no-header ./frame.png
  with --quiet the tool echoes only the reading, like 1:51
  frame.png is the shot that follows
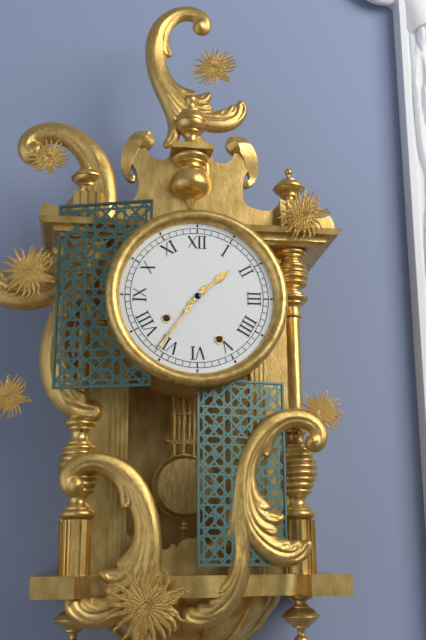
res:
1:36
